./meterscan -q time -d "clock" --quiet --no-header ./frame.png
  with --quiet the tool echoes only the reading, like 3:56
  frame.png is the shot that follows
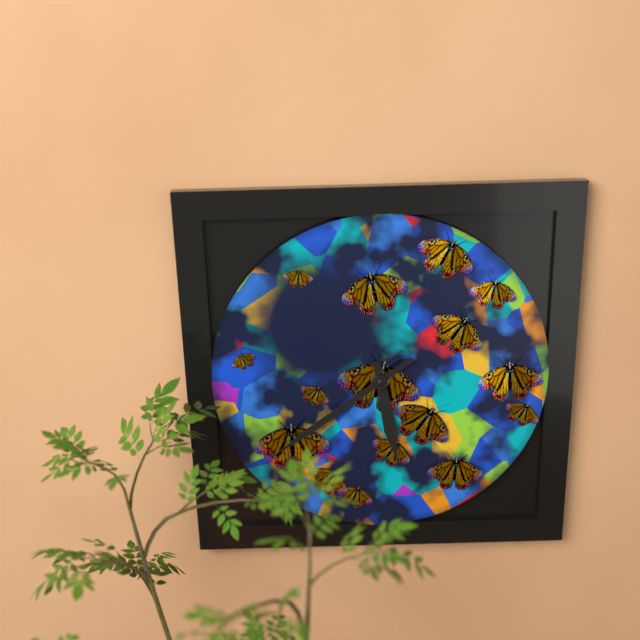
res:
5:39
